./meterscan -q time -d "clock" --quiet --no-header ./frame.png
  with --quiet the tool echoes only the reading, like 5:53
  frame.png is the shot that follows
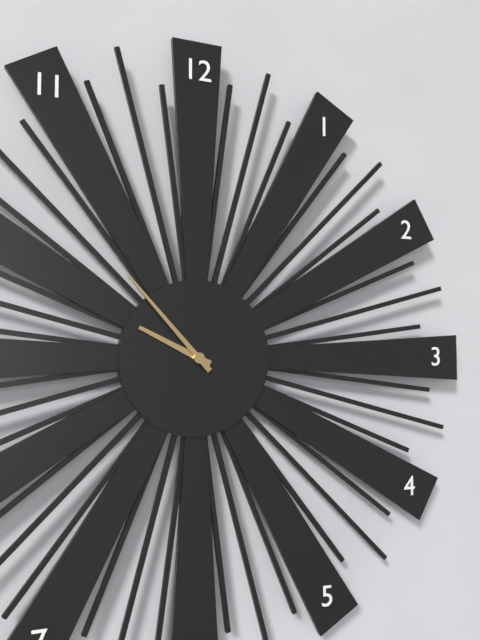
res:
9:53
